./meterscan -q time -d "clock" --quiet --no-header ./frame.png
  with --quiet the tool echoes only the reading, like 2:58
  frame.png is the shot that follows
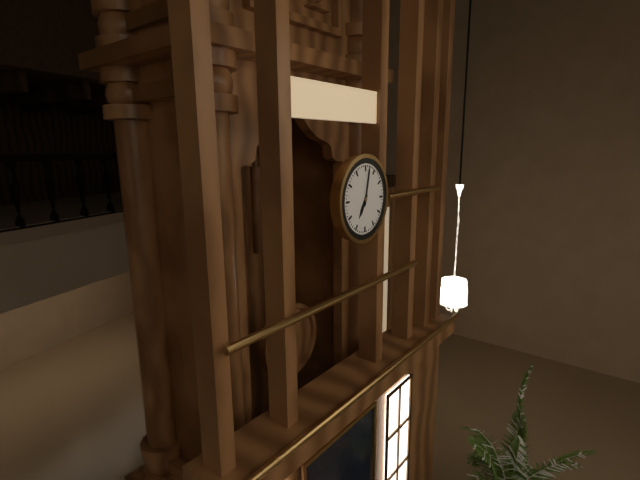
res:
7:02
